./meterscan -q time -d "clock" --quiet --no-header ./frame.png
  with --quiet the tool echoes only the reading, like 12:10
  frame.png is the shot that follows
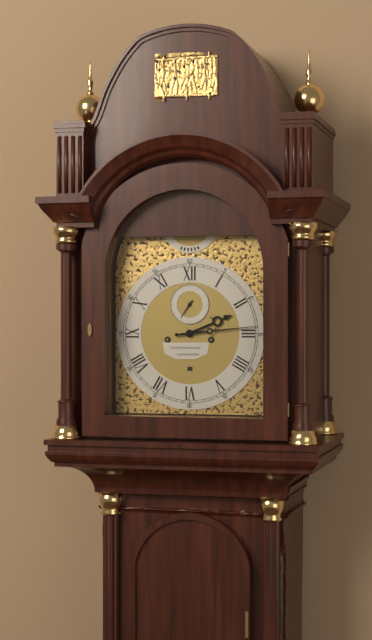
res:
2:14
